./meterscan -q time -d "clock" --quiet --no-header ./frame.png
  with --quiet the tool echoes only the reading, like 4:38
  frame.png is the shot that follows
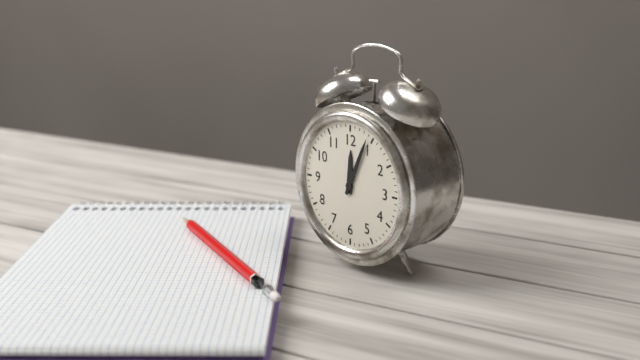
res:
12:04
